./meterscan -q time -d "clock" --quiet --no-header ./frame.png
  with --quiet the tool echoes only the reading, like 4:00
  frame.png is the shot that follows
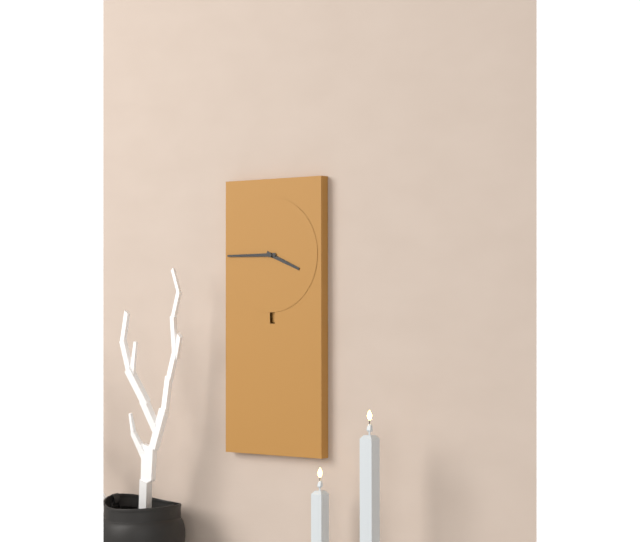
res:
3:45
